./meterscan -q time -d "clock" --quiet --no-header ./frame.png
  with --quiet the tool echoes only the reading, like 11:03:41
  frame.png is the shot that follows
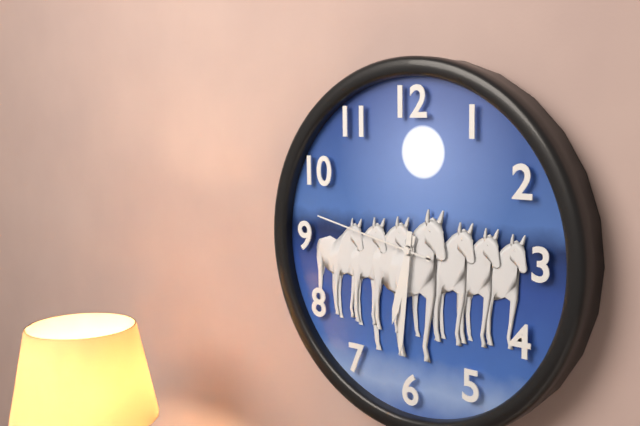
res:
6:31:47
